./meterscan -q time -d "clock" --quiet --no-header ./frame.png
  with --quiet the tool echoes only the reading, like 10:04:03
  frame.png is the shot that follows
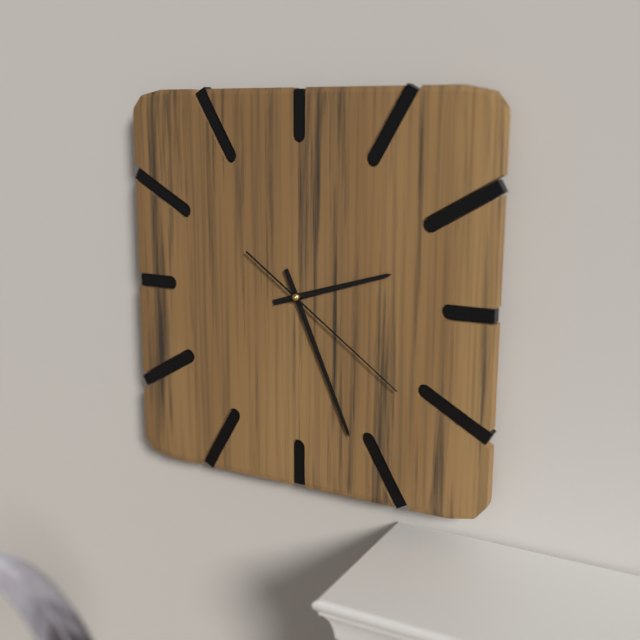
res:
2:26:21
